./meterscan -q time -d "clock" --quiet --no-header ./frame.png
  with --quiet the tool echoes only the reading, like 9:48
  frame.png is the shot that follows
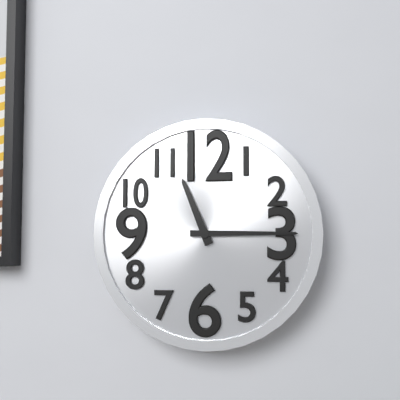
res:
11:15
